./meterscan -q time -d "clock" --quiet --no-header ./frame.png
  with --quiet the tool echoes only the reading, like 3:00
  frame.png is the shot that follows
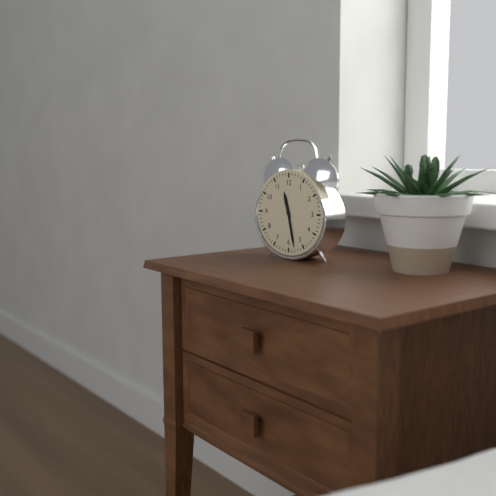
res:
11:28
